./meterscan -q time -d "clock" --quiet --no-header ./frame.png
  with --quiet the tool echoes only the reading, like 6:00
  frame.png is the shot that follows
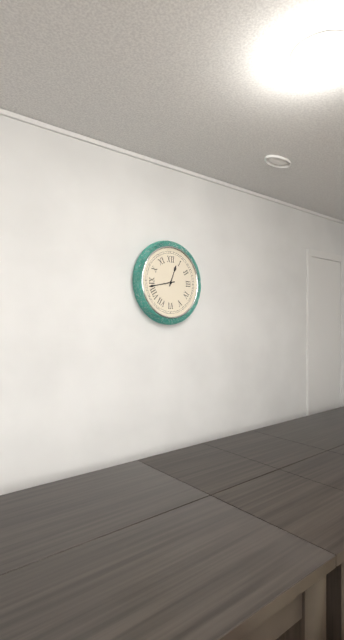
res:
12:43
